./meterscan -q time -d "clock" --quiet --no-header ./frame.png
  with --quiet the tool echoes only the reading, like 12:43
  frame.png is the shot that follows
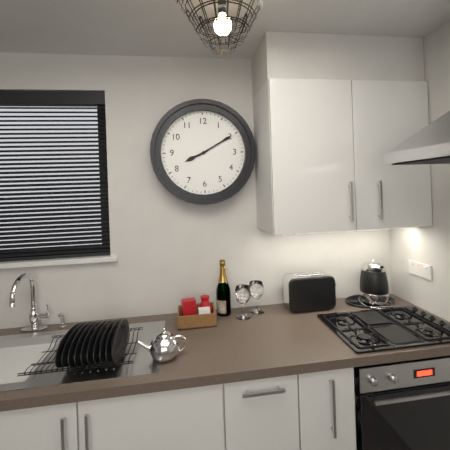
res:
8:10
